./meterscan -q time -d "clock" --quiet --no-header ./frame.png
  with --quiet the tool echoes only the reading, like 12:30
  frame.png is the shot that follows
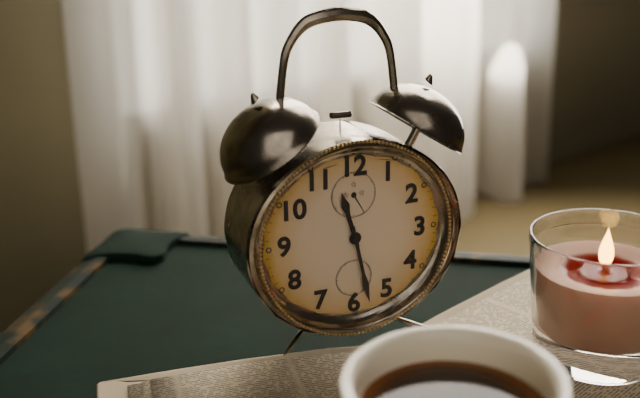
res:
11:28
